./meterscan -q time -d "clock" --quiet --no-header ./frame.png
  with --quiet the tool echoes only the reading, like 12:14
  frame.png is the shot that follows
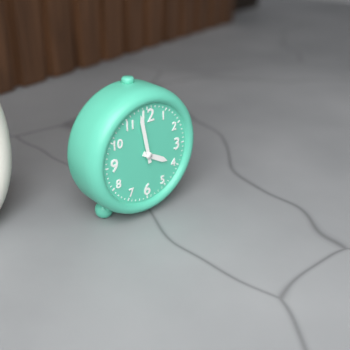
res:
3:58
